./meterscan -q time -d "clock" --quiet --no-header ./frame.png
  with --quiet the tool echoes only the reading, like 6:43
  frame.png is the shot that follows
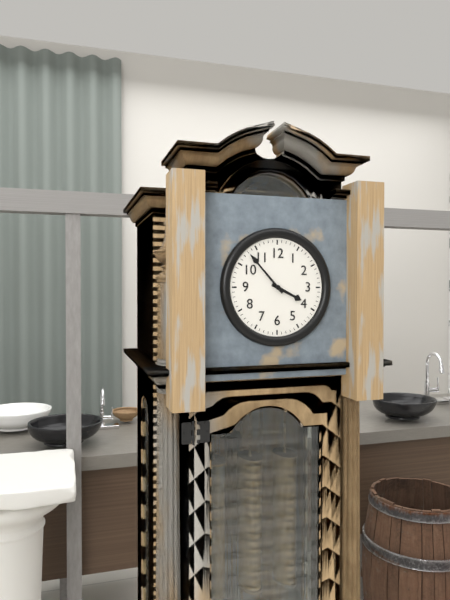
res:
3:53
